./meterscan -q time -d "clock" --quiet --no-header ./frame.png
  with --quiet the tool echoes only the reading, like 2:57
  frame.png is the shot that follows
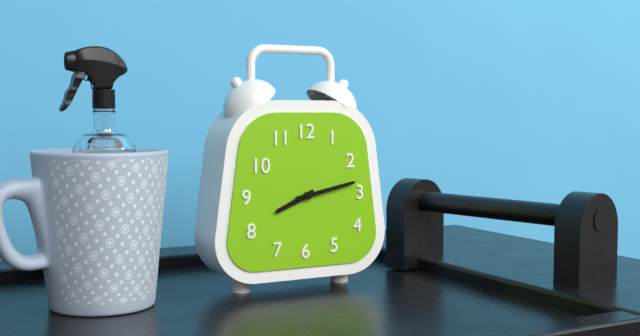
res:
8:13
